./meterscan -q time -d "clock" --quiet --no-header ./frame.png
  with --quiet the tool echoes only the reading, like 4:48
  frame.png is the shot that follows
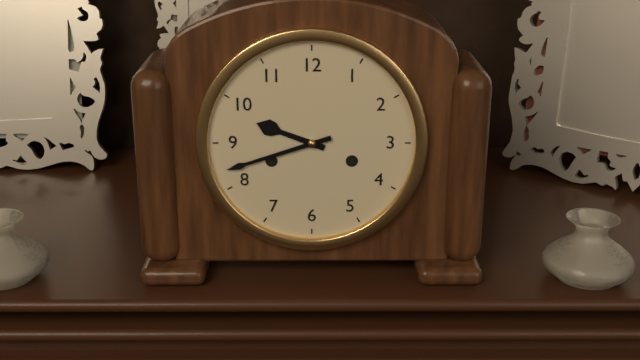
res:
9:42
